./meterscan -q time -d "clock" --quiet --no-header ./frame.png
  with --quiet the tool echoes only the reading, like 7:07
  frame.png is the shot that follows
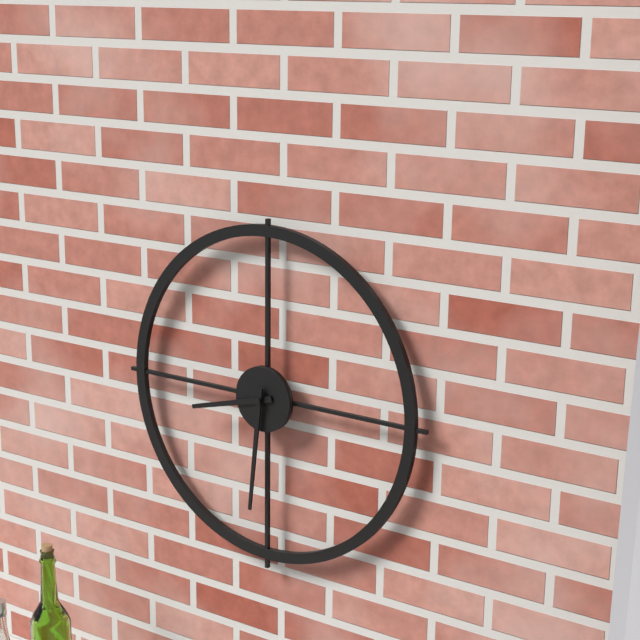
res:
8:31
